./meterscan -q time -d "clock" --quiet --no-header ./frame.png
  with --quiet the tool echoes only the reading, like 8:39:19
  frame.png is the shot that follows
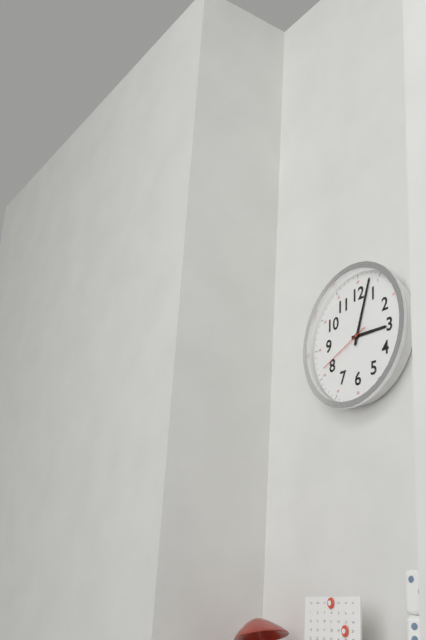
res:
3:03:41
